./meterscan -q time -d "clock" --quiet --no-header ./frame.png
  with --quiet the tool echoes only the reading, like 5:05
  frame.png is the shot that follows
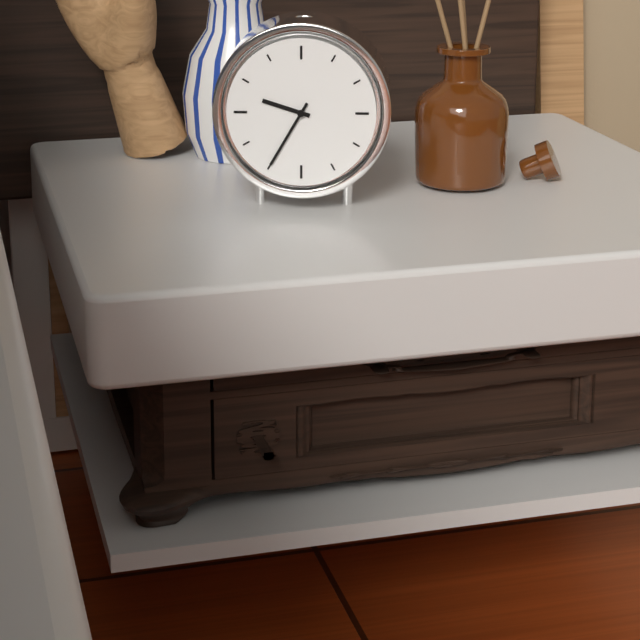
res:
9:35
